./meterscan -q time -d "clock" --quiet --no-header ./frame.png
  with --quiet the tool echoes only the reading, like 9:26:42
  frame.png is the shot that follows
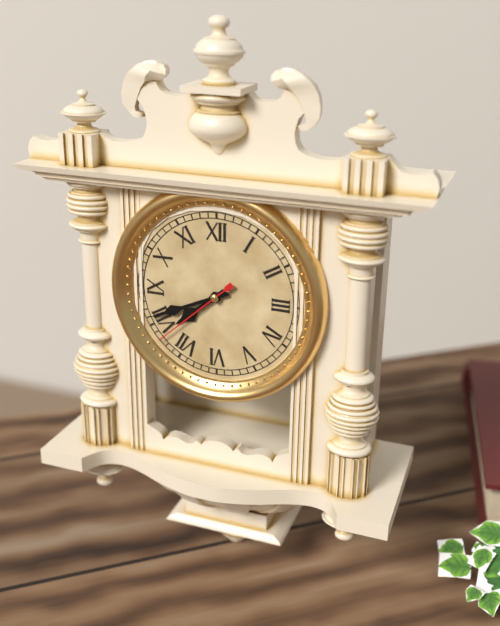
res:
7:41:38
